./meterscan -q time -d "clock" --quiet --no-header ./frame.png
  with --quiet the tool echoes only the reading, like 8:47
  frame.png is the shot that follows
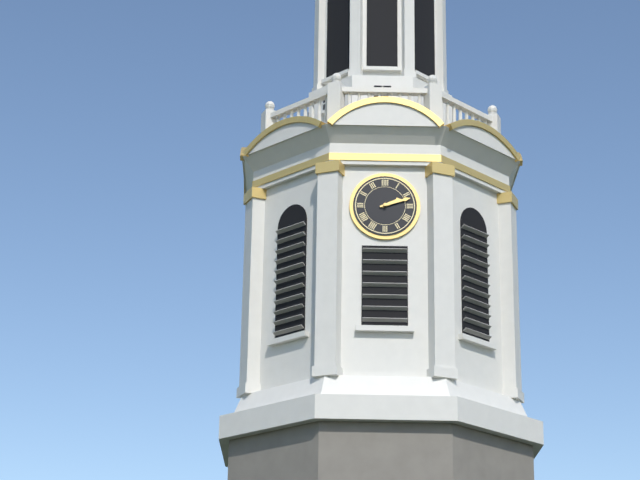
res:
2:12
